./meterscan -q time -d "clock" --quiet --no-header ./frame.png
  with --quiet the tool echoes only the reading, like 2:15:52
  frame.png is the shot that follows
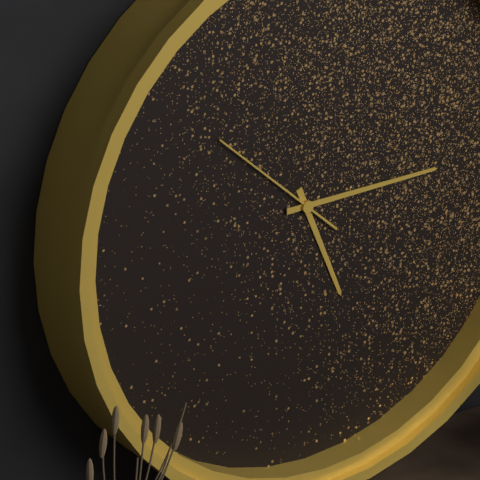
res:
5:15:52
